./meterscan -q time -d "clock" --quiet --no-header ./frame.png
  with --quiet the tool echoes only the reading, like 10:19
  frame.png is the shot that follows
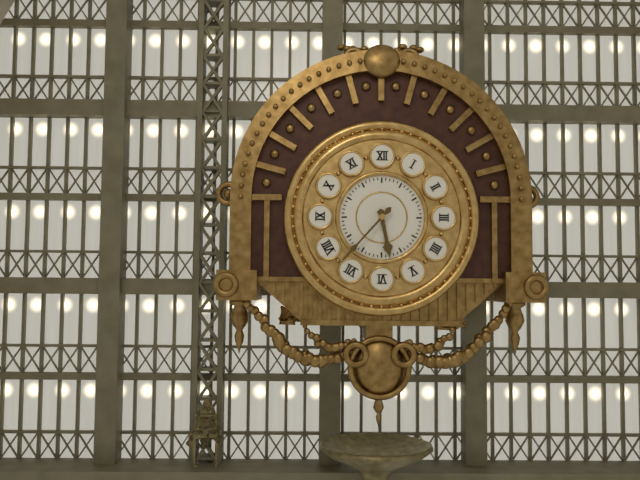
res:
5:37
